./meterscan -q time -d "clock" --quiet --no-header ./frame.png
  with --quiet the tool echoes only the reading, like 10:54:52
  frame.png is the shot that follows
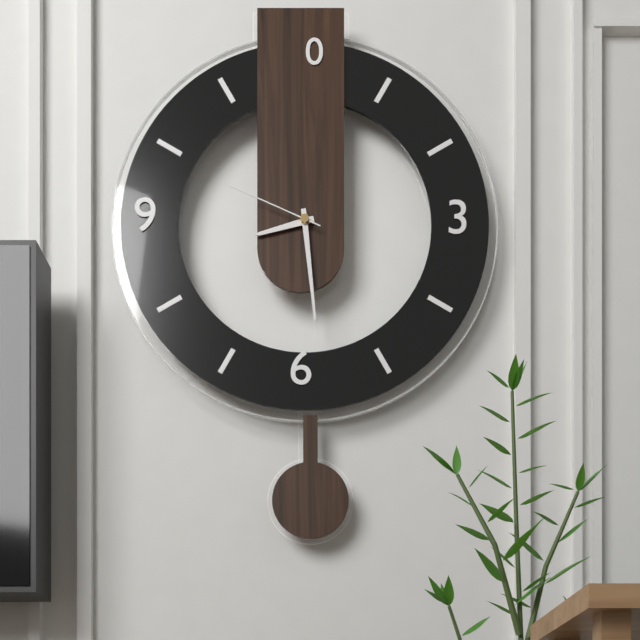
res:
8:29:49
